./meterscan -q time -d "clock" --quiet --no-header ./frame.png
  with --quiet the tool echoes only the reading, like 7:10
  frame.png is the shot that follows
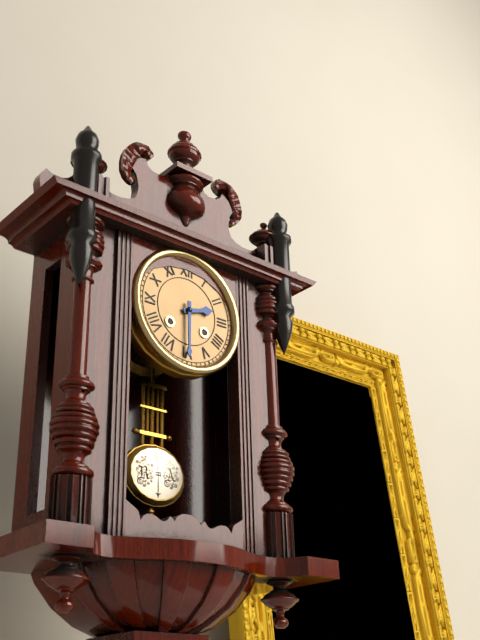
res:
2:30
